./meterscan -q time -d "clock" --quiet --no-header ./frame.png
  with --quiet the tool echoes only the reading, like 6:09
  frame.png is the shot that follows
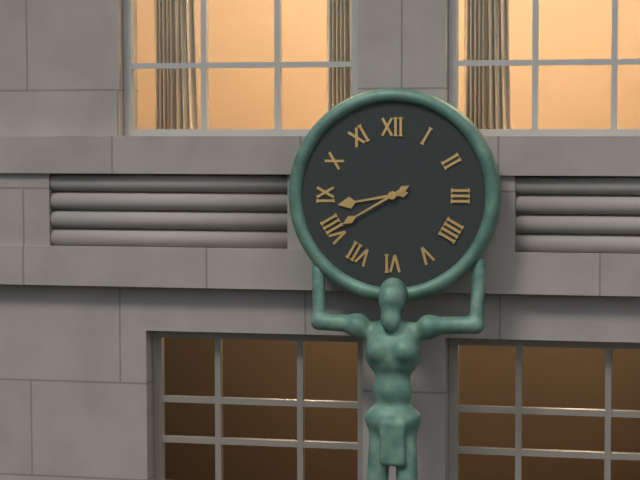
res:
8:40
